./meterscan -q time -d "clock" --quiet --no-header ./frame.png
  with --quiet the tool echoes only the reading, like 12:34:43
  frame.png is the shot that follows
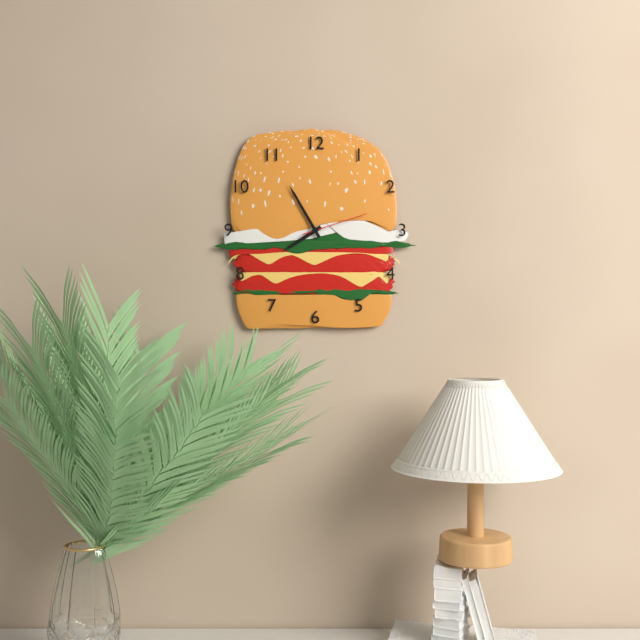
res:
7:55:12
